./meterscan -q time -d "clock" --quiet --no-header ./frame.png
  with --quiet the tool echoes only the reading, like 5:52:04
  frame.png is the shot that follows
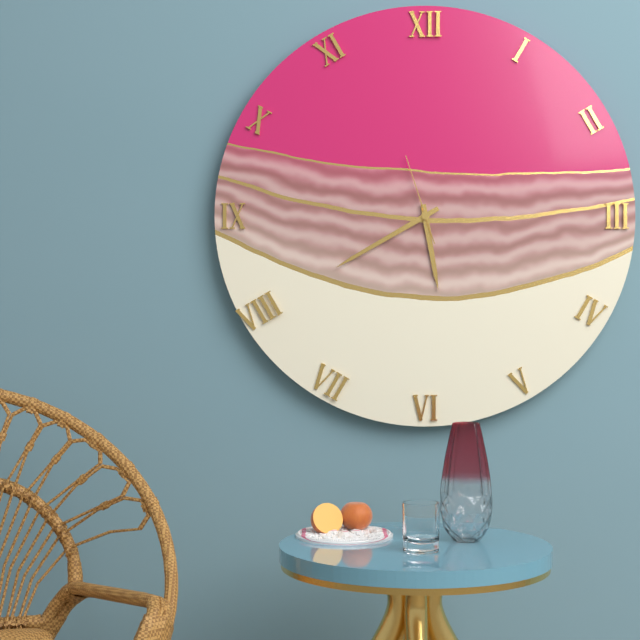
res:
5:40:57
